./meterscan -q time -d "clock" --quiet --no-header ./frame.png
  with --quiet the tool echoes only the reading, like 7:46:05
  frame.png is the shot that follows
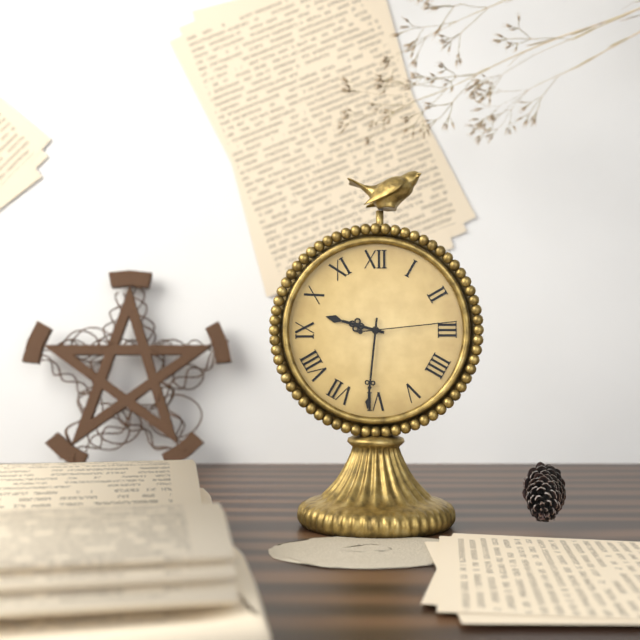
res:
9:31:14
